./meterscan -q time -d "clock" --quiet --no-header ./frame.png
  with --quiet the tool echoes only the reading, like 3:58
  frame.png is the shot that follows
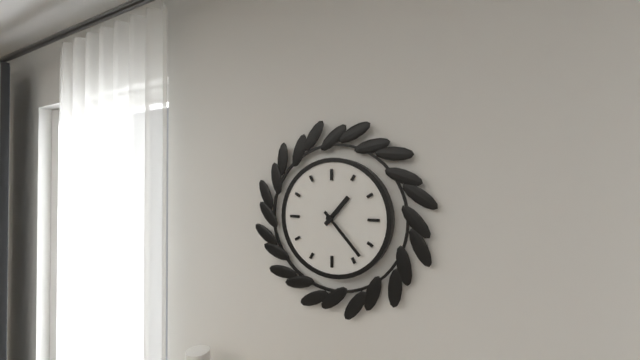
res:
1:23
